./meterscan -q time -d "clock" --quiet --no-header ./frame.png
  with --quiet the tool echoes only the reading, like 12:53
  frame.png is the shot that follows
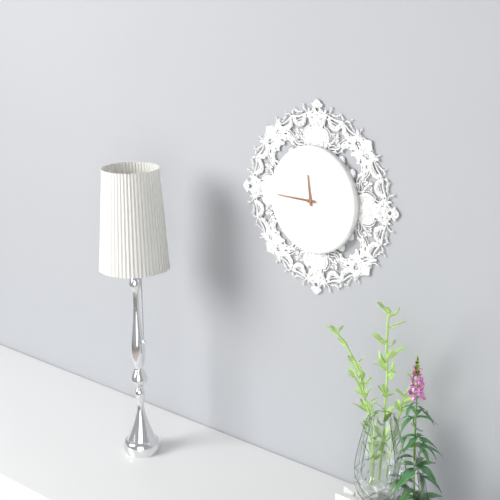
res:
11:45
